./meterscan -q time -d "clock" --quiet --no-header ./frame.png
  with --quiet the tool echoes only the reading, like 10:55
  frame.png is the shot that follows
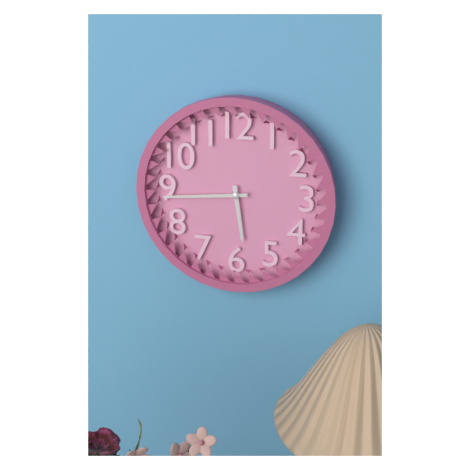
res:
5:44
